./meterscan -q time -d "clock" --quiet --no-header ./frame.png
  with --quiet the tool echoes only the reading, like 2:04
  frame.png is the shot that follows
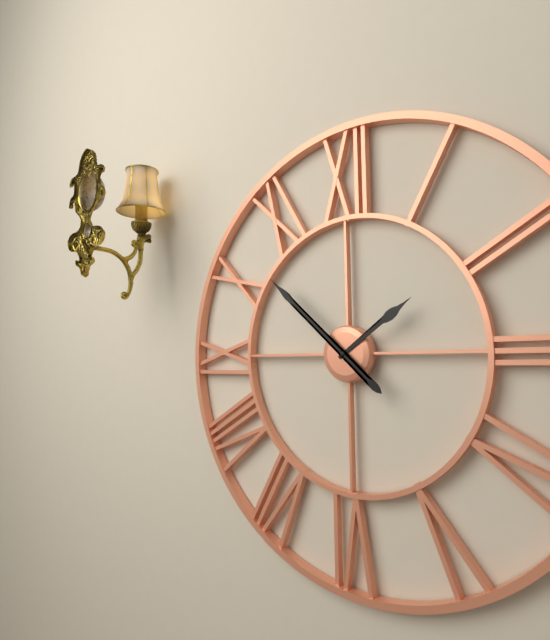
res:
1:52
